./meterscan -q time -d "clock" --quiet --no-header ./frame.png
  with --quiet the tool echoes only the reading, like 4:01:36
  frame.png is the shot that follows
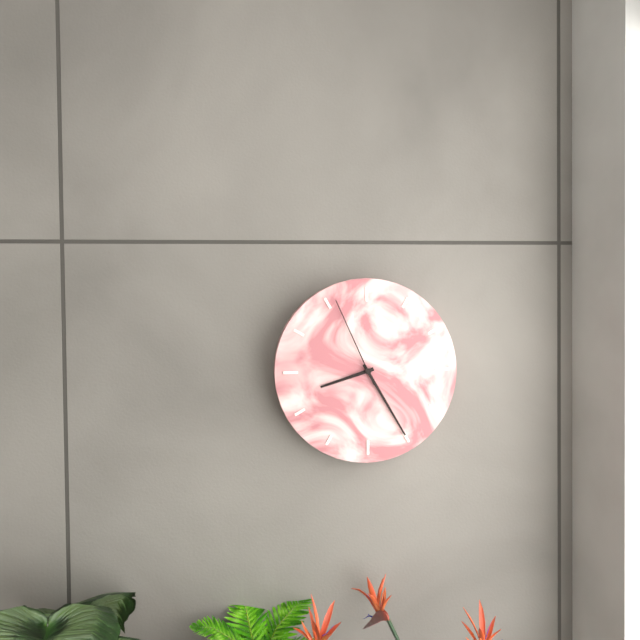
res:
8:25:56
